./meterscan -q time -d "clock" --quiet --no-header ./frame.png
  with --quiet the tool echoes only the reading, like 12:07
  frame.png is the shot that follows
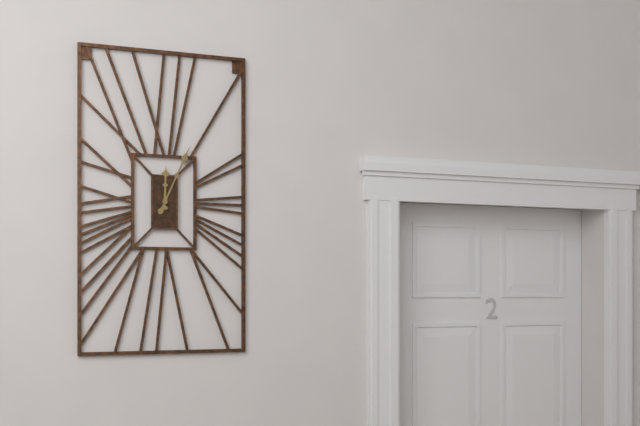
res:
12:04
